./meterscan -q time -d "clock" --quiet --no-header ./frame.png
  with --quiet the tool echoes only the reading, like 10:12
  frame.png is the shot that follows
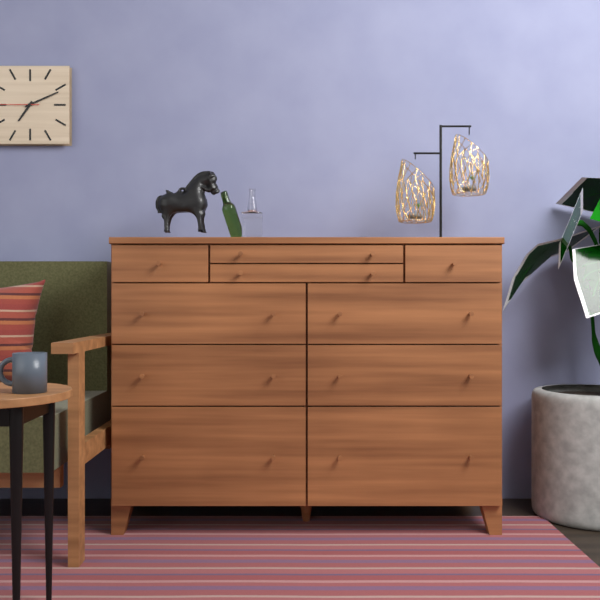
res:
7:11
